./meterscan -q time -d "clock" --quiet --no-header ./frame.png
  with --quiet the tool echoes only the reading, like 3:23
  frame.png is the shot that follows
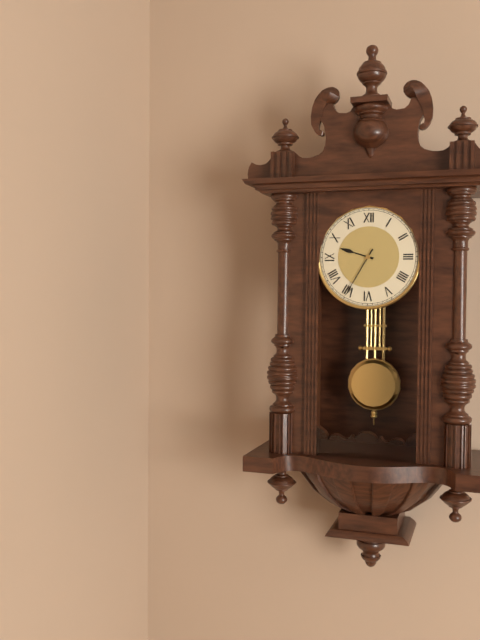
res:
9:35
